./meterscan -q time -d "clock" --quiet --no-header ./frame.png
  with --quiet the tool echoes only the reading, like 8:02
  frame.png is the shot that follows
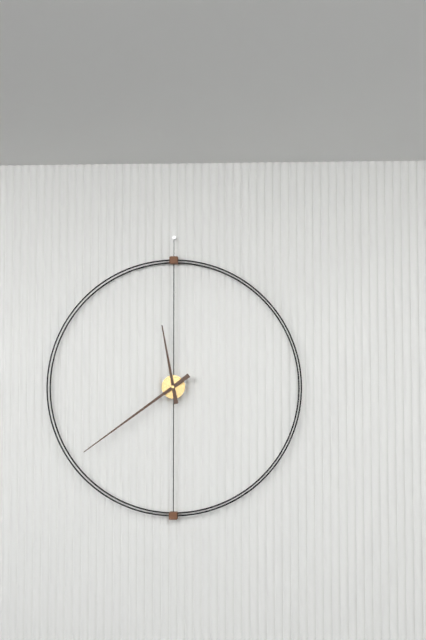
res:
11:39
